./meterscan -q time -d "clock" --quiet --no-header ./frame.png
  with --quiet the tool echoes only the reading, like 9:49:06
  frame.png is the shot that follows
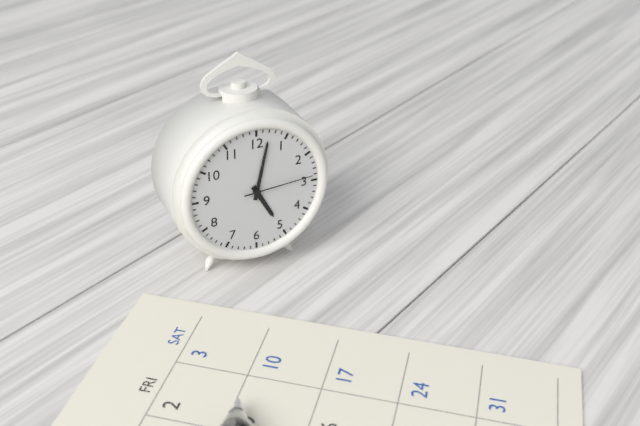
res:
5:02:14
